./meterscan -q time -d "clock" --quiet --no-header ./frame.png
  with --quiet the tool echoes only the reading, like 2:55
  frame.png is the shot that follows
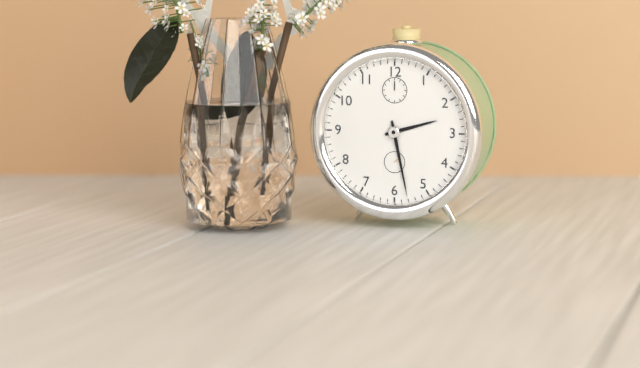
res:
2:28
